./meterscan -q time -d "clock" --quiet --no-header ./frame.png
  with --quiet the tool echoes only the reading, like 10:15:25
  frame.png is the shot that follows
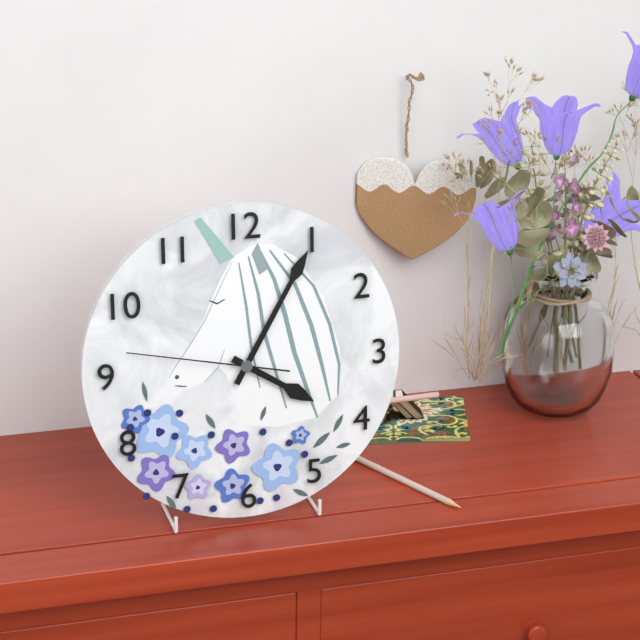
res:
4:05:47
